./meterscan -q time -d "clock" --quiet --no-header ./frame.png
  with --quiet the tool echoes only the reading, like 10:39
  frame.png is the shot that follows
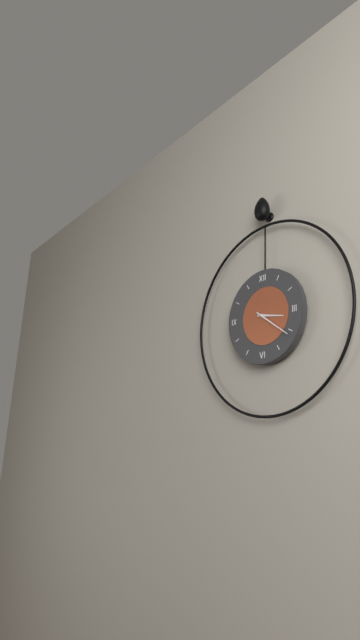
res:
3:21
